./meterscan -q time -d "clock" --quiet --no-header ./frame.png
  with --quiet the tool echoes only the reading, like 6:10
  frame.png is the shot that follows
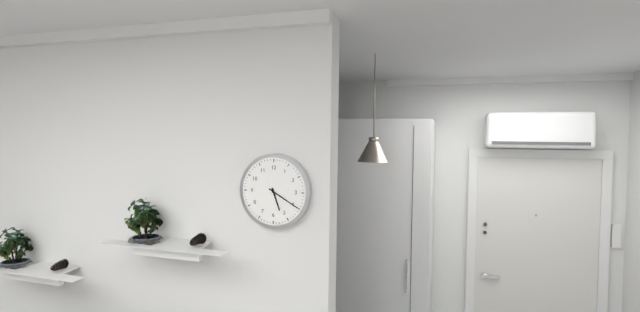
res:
5:20
